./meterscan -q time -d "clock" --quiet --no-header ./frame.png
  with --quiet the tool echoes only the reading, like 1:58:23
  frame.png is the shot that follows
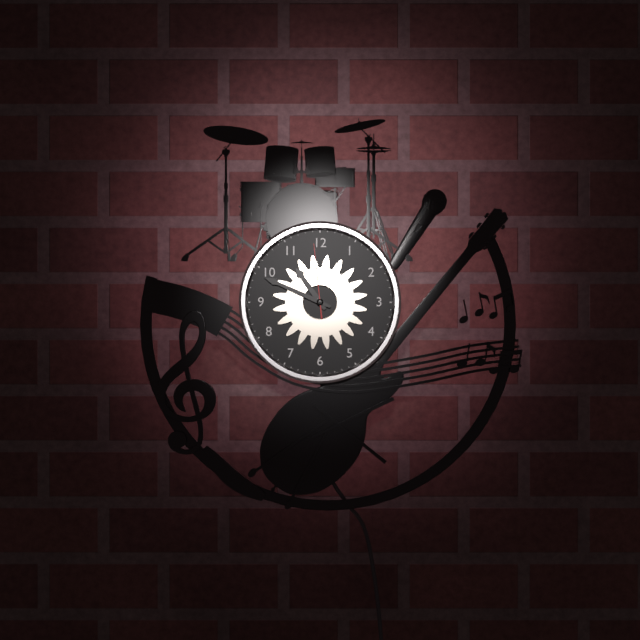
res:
10:49:59
